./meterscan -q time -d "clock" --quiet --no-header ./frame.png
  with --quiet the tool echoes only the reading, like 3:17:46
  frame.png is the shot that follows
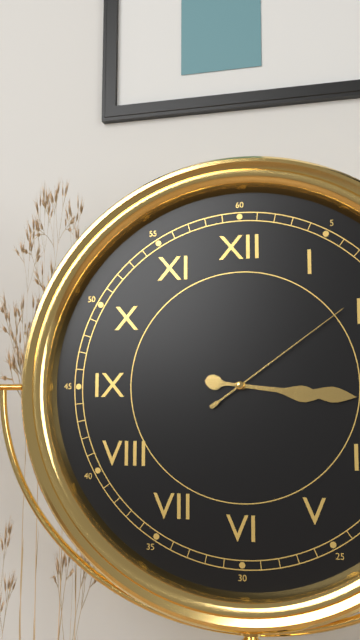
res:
3:16:09
